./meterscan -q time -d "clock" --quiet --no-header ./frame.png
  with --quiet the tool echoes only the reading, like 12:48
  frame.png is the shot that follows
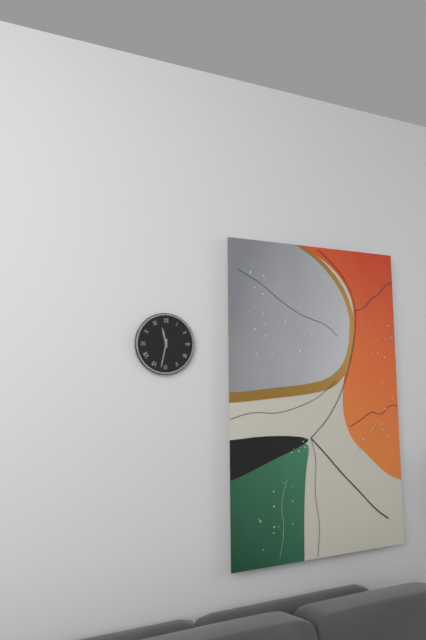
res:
11:32
